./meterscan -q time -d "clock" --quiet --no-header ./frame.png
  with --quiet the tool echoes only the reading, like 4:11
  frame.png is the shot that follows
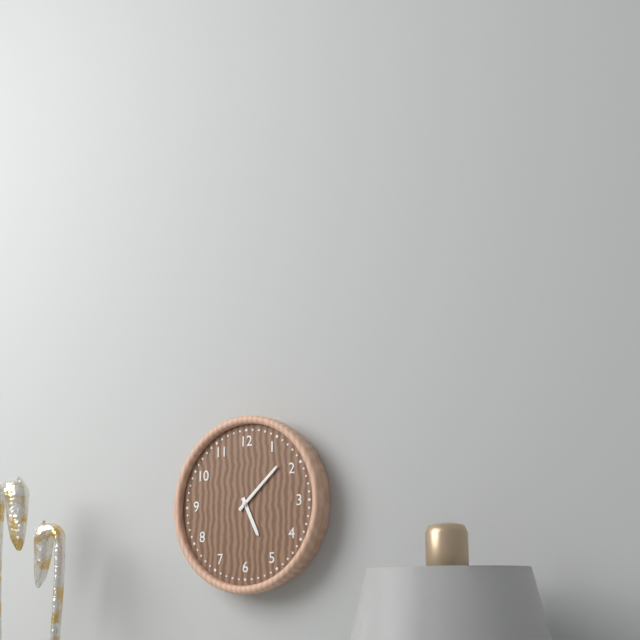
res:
5:08
